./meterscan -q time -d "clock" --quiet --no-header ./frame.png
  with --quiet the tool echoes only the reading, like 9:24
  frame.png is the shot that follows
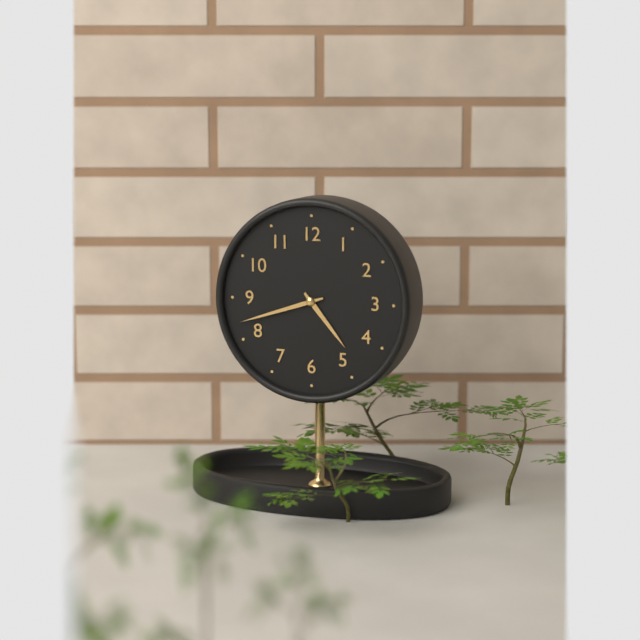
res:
4:42
